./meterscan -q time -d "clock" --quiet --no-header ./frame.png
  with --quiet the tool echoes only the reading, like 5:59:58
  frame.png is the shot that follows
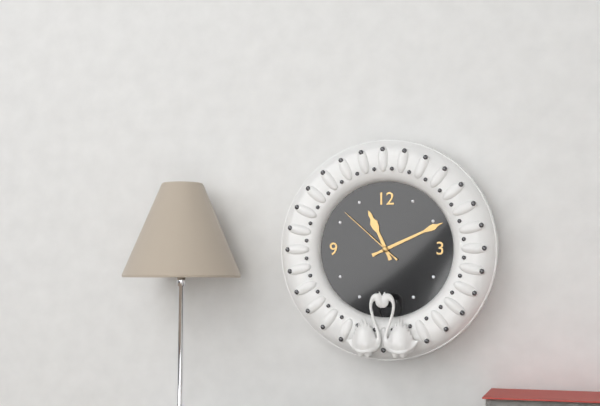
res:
11:11:52
